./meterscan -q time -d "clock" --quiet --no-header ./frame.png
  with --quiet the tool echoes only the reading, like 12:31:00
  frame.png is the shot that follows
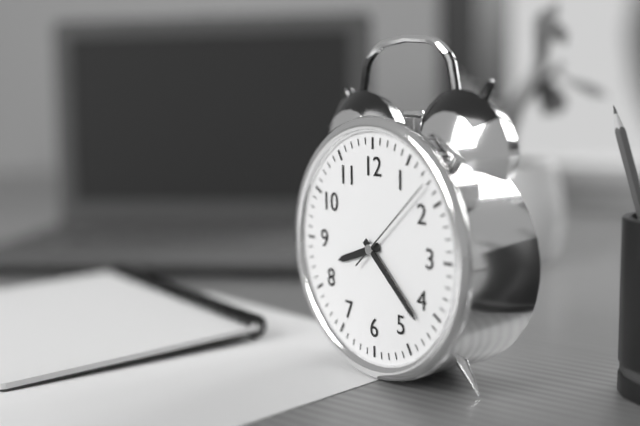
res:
8:22:08
